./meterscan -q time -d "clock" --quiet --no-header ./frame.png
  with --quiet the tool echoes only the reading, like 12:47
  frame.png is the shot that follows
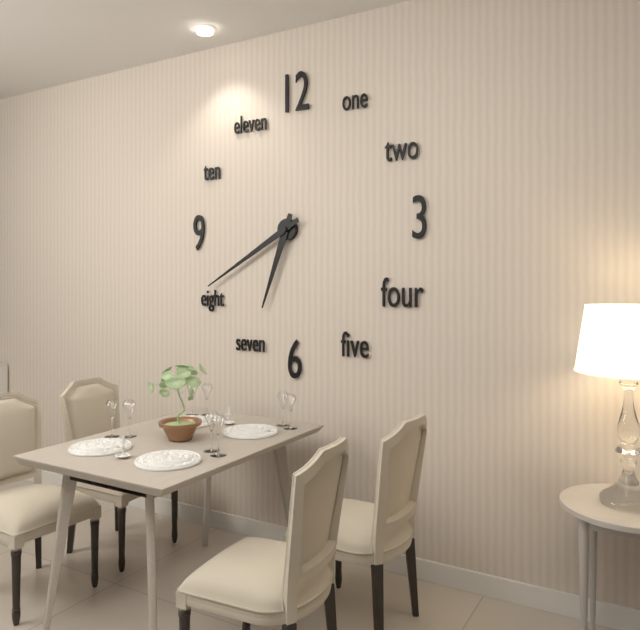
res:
6:40
